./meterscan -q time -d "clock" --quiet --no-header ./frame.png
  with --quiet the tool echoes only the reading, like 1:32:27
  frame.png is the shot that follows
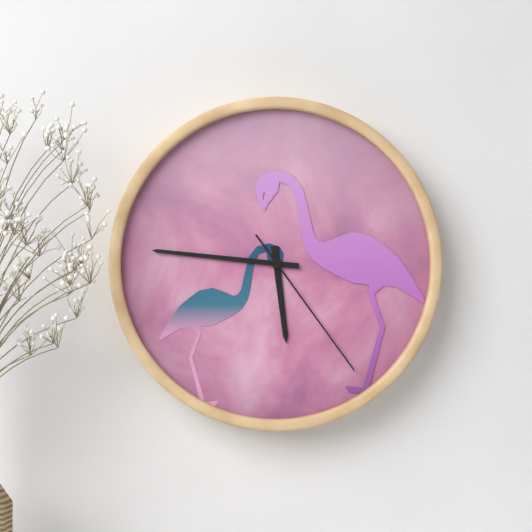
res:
5:46:24
